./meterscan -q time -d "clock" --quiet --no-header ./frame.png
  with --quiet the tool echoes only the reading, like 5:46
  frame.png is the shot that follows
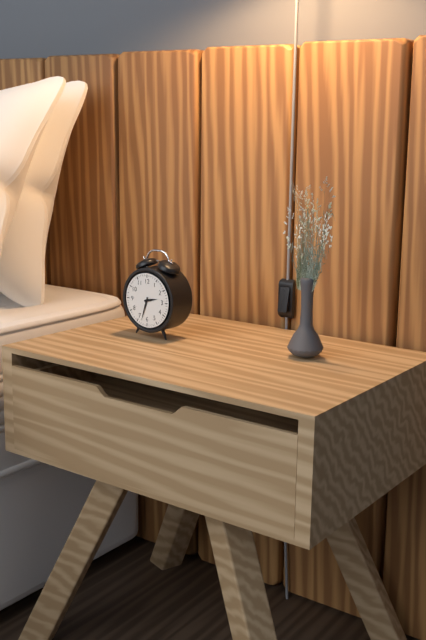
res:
2:33
